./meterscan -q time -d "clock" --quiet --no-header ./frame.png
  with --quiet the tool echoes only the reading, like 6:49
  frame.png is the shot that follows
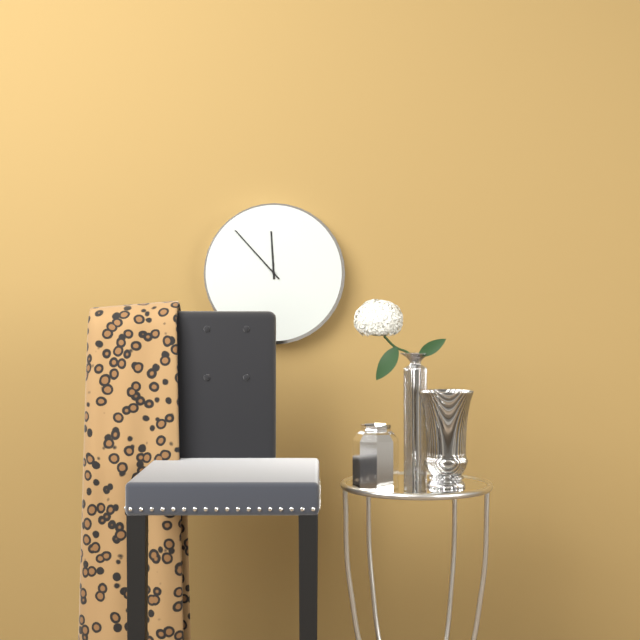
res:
11:53
